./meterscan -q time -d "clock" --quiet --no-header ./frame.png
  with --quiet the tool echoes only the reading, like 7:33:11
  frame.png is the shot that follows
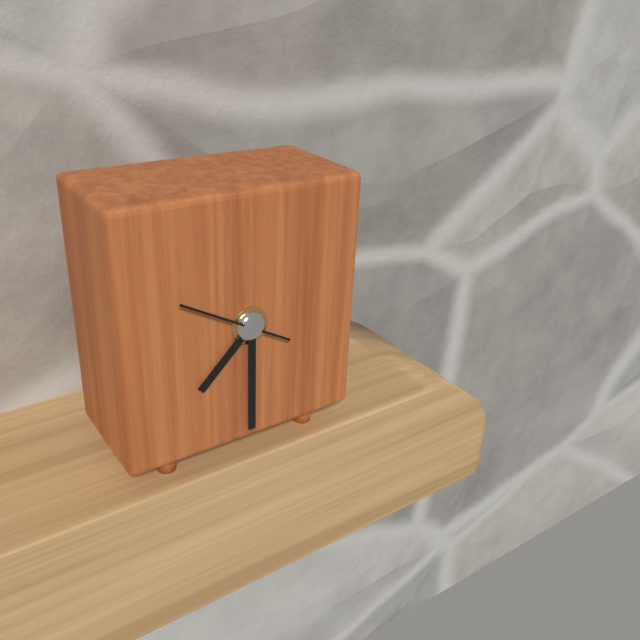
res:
7:30:50
